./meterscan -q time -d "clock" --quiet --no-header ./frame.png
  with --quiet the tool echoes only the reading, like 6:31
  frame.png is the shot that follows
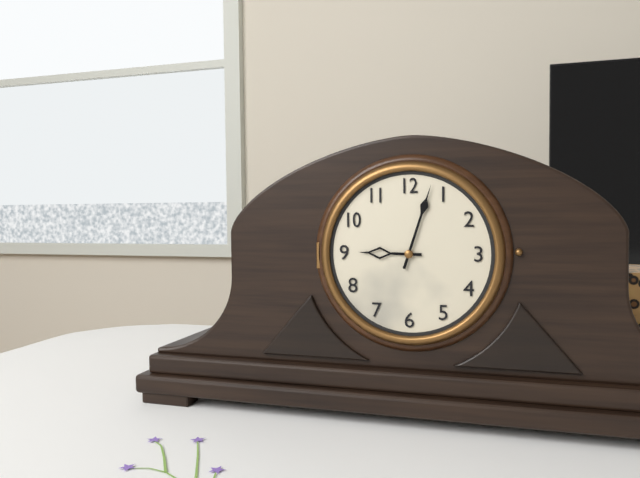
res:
9:03
